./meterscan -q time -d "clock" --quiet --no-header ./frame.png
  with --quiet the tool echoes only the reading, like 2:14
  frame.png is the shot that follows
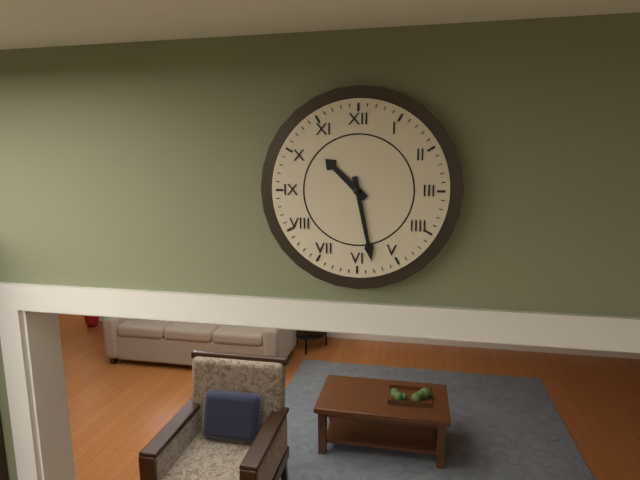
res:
10:28
